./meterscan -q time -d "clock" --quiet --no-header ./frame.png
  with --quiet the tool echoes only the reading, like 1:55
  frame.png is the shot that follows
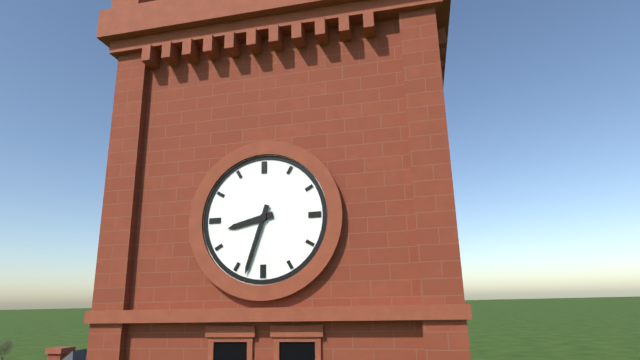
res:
8:33
